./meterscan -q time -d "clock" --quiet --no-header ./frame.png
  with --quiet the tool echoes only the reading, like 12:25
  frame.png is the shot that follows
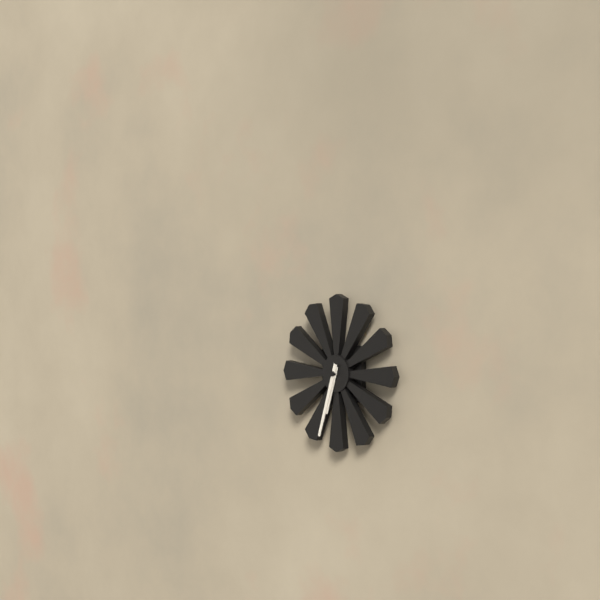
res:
6:33
